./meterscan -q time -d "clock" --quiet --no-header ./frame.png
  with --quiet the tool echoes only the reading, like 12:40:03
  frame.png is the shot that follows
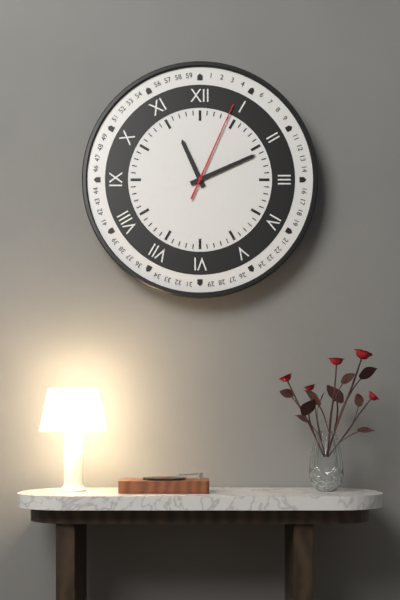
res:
11:11:04
